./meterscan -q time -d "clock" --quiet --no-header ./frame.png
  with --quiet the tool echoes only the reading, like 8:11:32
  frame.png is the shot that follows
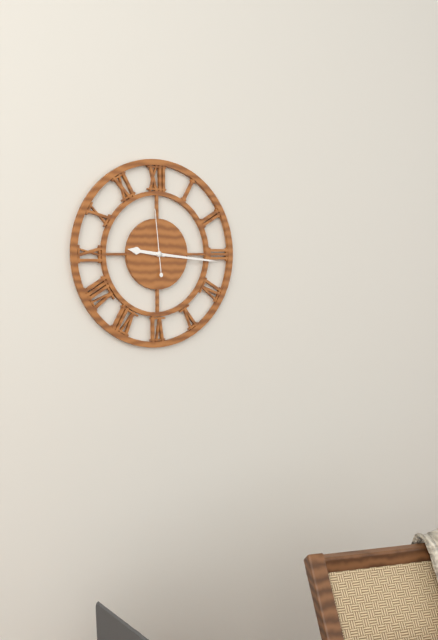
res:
9:16:59
